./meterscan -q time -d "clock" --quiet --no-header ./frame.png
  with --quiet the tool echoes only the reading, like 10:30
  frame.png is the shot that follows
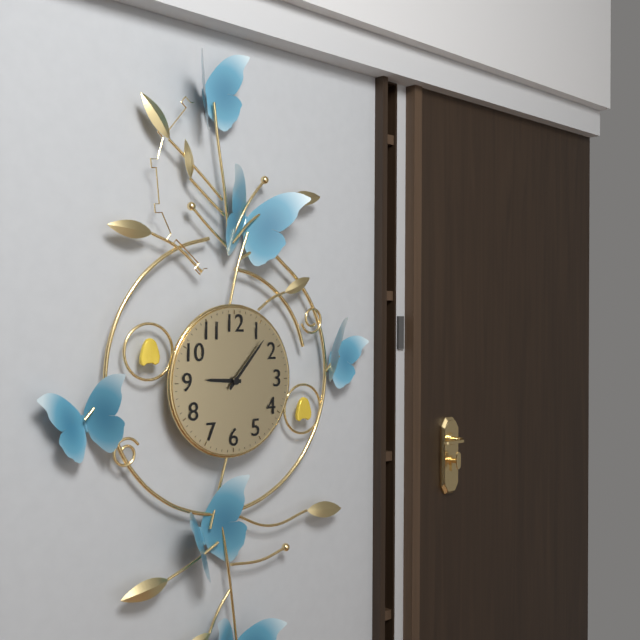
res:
9:07
